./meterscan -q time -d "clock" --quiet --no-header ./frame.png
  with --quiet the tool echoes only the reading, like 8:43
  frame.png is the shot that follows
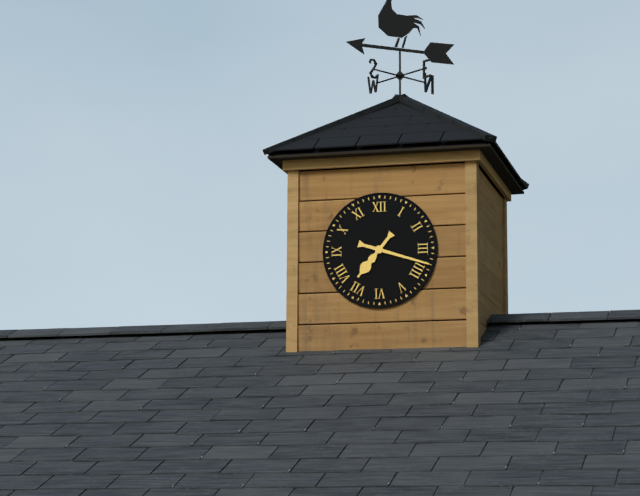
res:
7:18
